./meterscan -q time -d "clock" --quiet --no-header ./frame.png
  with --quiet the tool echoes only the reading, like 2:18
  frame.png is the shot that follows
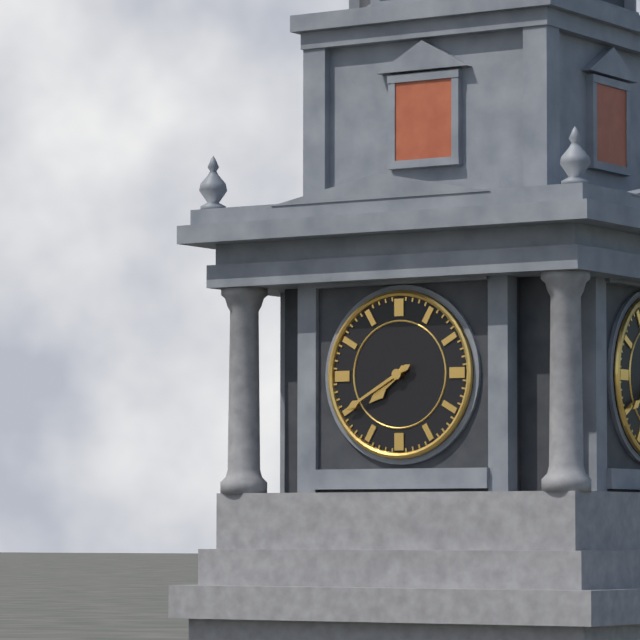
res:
7:40
